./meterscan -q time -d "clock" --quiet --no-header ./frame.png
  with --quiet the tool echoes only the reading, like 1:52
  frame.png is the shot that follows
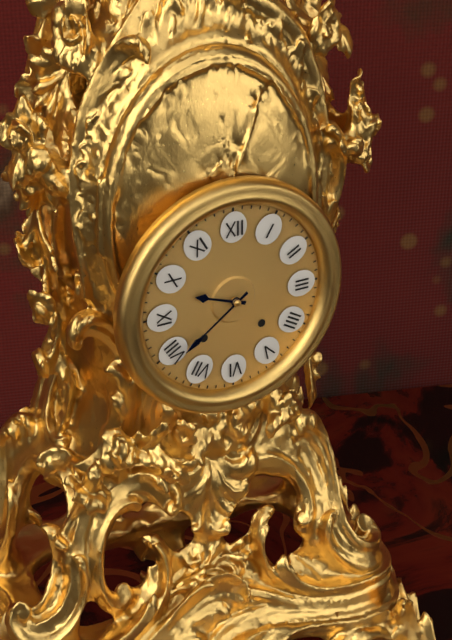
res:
9:39
